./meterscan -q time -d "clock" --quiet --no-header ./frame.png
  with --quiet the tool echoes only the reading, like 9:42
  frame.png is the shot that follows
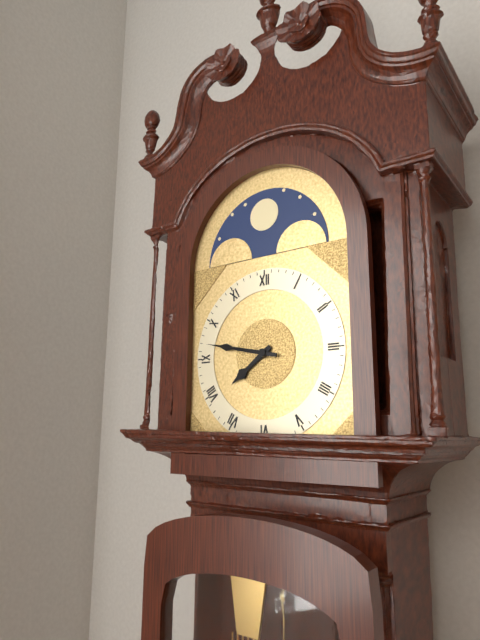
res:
7:47
